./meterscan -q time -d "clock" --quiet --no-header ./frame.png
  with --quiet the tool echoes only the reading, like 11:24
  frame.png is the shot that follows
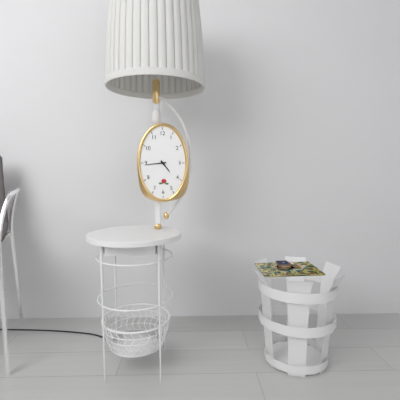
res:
4:44
